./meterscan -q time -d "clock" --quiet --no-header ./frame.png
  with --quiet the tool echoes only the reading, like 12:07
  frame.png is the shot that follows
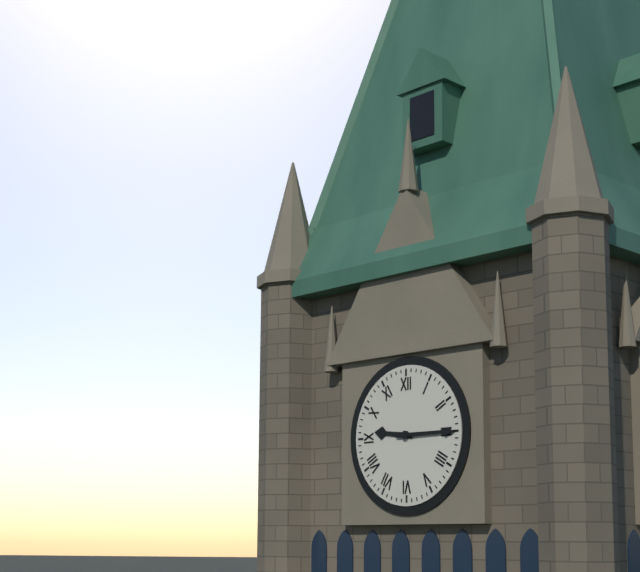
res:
9:15
